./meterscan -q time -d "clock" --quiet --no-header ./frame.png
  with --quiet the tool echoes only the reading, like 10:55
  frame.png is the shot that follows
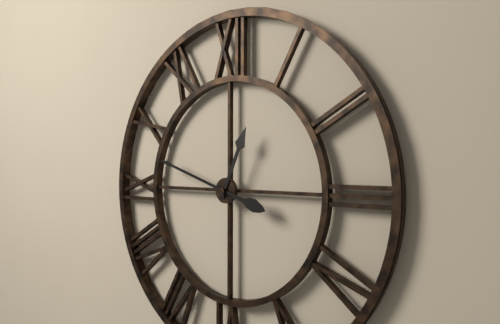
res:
12:48
